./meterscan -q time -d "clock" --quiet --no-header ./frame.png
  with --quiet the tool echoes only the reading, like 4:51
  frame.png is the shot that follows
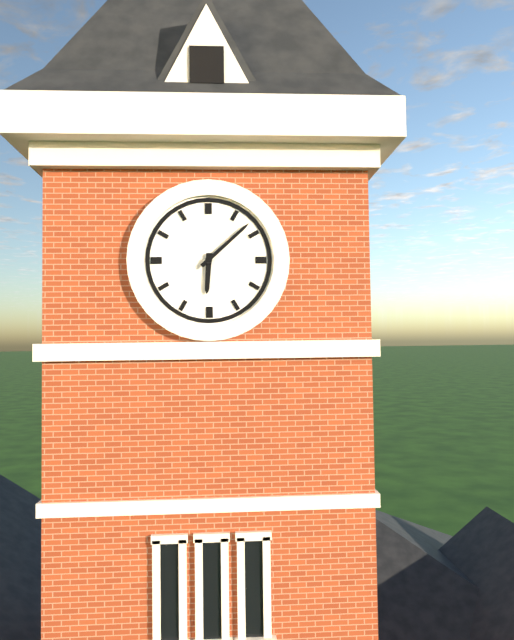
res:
6:08
